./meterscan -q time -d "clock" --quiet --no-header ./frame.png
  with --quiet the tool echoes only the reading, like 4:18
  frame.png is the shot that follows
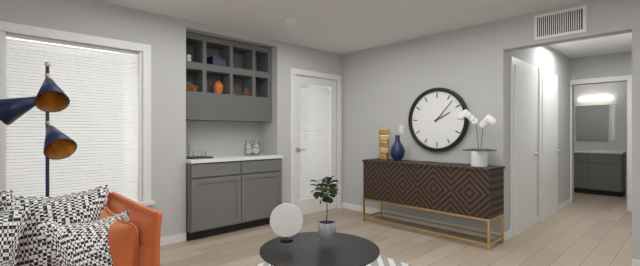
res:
2:07
